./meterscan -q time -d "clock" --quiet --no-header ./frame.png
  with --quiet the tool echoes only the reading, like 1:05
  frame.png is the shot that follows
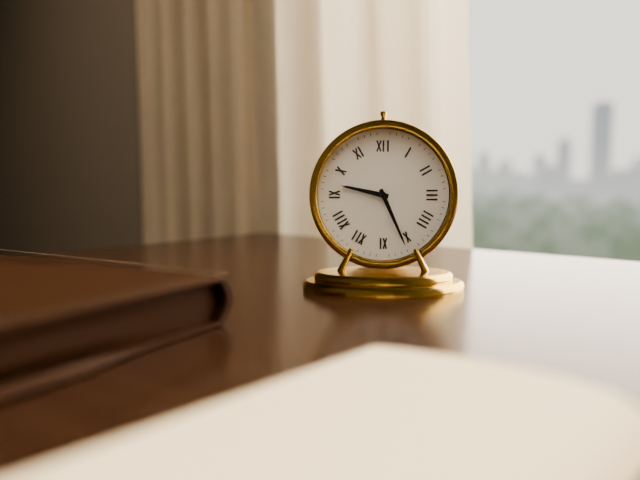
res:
9:26
